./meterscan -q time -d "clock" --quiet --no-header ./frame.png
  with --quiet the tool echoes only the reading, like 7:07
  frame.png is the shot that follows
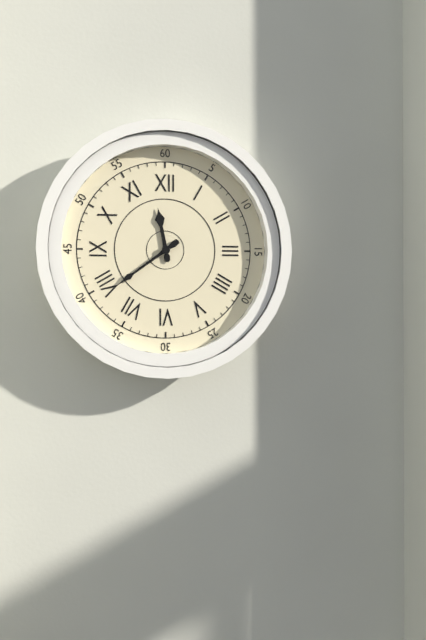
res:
11:39
